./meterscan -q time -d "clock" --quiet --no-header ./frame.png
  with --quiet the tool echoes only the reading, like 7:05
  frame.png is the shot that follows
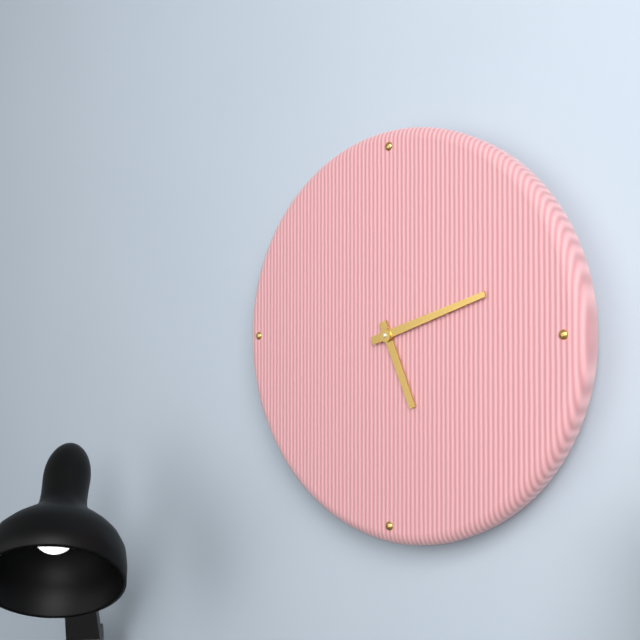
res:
5:12
